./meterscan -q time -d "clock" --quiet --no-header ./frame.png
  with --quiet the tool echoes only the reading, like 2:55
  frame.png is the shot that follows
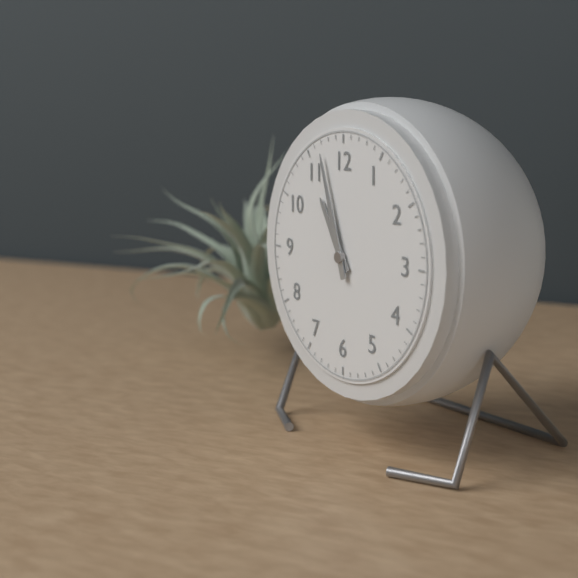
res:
10:57
